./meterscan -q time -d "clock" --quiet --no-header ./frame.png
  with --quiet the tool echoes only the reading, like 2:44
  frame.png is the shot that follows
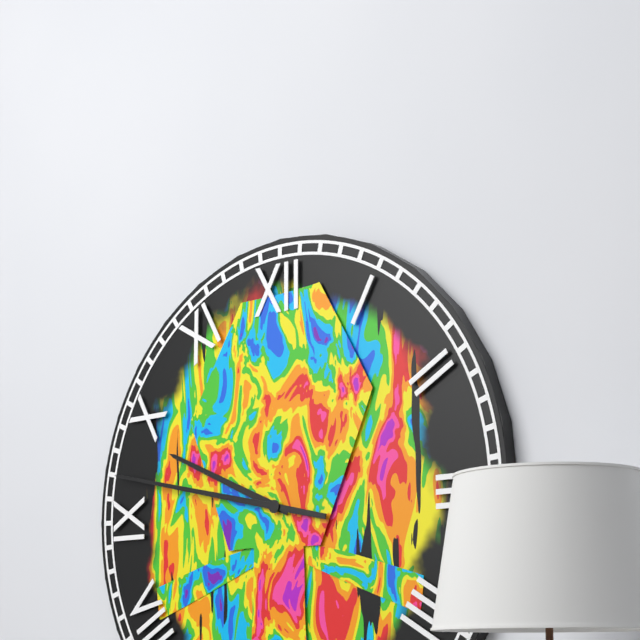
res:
9:47
